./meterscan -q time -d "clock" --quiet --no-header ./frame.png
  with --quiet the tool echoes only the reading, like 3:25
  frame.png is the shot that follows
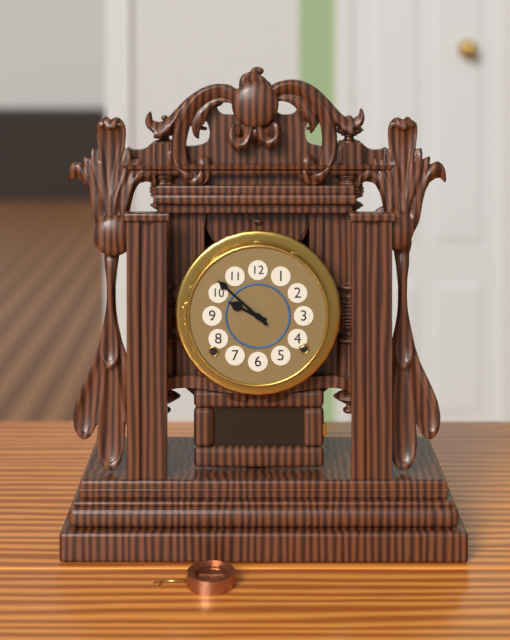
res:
9:52
